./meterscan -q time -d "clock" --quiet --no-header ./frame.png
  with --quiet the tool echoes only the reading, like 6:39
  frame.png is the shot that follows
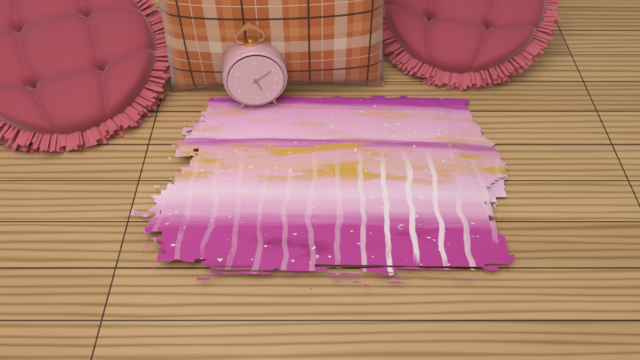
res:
5:10
